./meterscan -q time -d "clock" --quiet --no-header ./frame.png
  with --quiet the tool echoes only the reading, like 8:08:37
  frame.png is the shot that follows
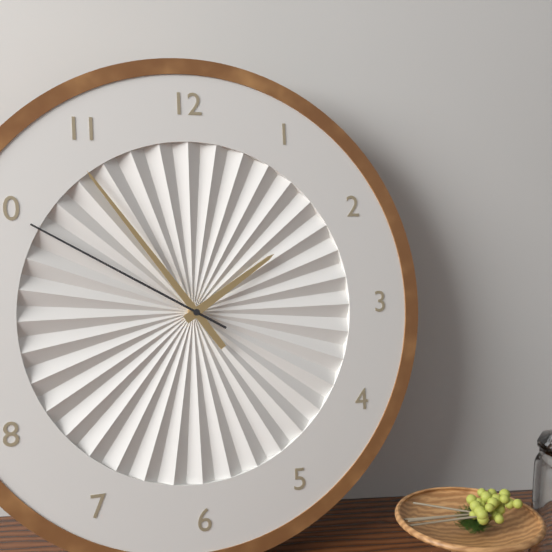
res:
1:54:50
